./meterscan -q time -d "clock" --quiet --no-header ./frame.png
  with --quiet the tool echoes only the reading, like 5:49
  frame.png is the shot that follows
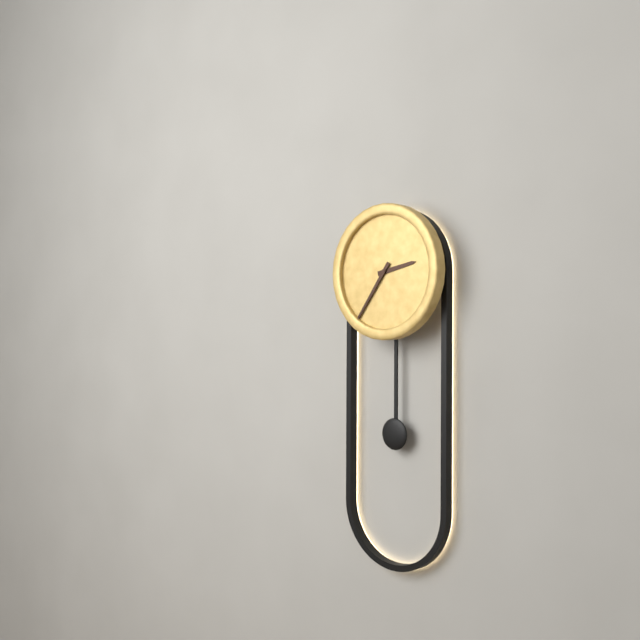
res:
2:36
